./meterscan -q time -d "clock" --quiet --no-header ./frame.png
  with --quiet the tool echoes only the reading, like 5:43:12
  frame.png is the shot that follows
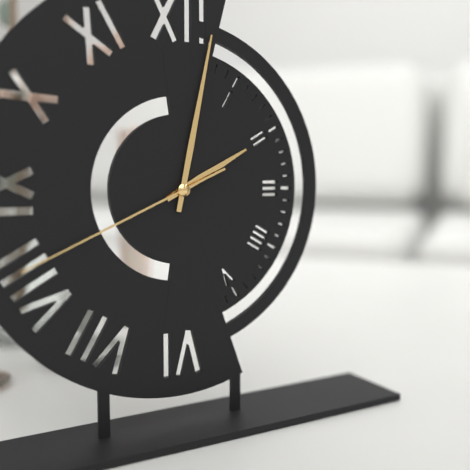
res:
2:02:41
